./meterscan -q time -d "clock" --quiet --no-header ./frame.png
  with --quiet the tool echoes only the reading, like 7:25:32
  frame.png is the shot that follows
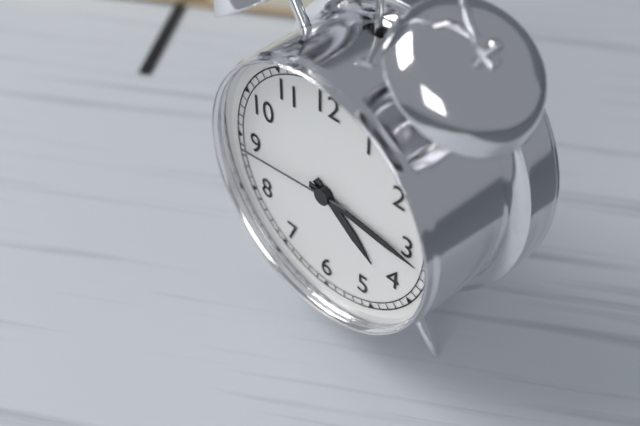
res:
4:16:44
